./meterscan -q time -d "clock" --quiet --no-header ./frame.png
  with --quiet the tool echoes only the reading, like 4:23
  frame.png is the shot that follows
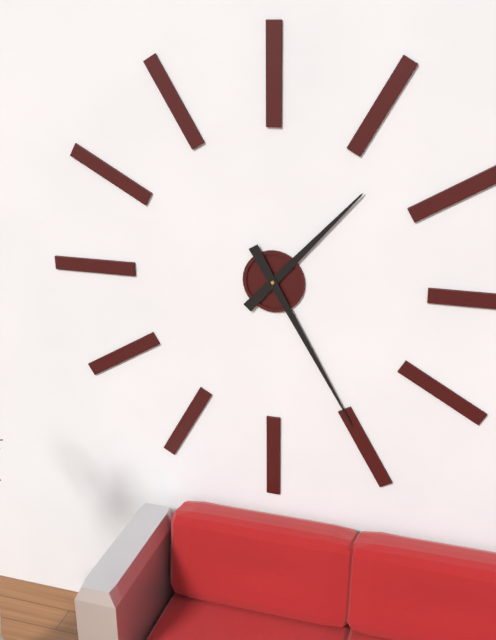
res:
1:25
